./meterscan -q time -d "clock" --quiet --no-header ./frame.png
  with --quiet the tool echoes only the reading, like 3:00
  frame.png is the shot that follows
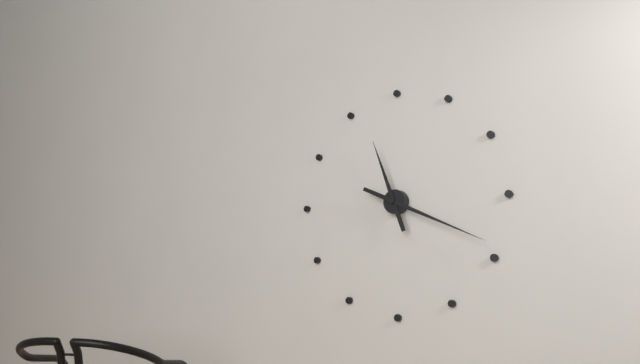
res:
11:19
